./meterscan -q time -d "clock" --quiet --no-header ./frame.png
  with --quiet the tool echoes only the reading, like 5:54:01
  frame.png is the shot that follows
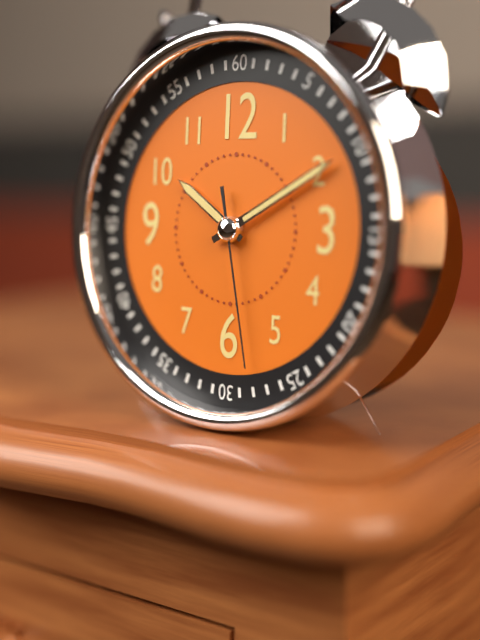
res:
10:10:28
